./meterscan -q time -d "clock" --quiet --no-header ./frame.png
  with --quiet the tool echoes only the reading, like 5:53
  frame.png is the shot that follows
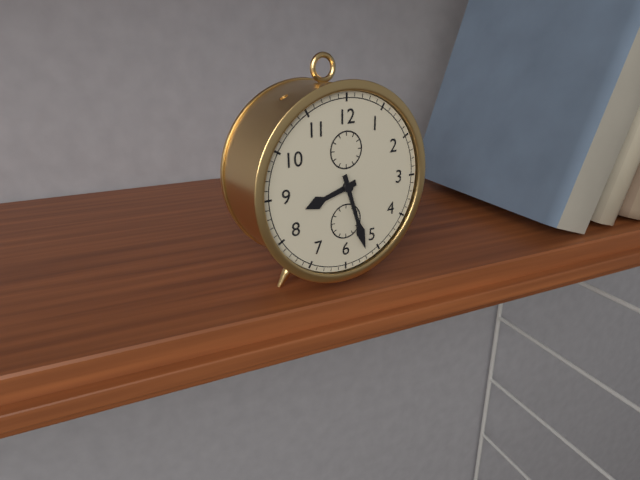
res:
8:27
